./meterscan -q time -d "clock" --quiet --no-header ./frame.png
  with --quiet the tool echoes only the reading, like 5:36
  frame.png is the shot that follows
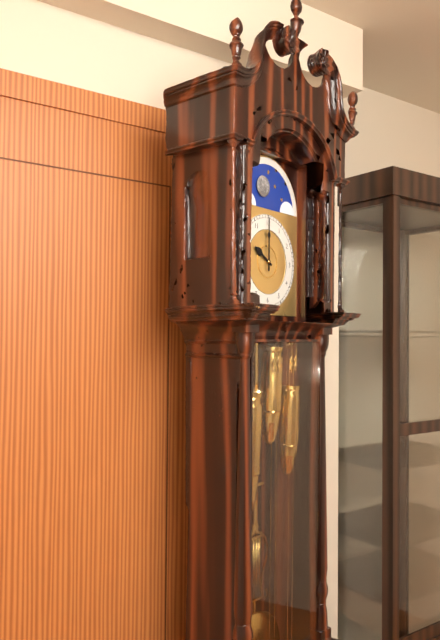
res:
10:00
